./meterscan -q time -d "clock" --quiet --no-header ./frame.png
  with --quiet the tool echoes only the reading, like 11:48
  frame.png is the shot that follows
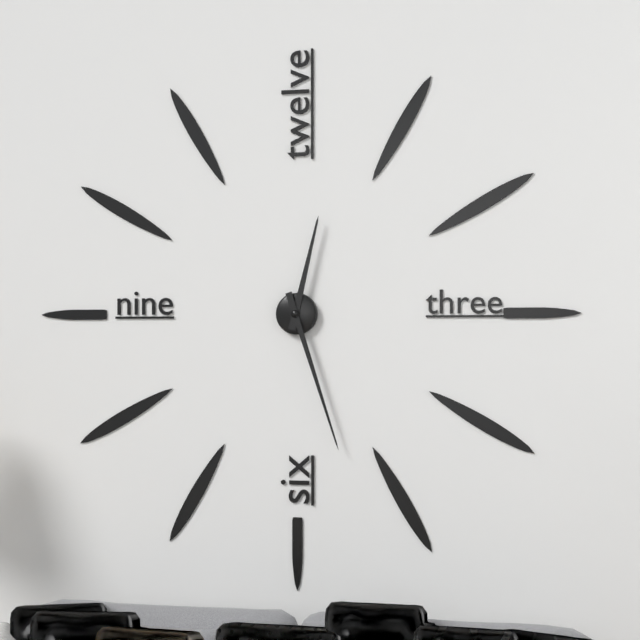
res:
12:27
